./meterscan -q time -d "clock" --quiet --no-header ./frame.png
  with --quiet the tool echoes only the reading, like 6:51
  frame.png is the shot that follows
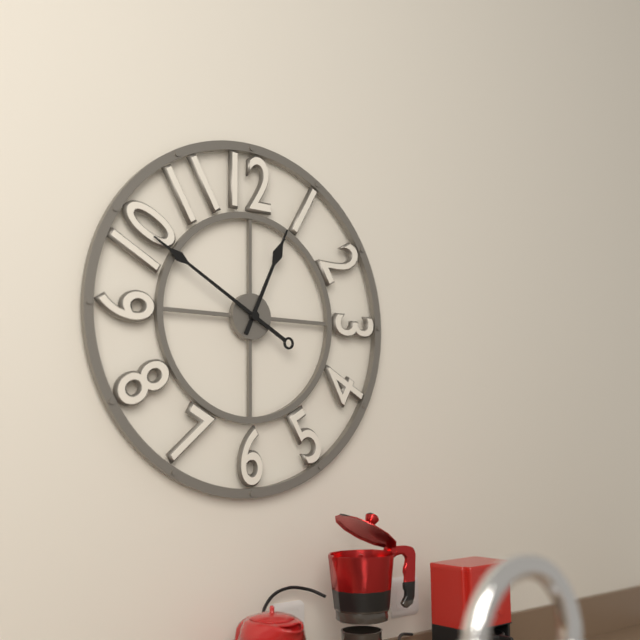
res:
12:50
